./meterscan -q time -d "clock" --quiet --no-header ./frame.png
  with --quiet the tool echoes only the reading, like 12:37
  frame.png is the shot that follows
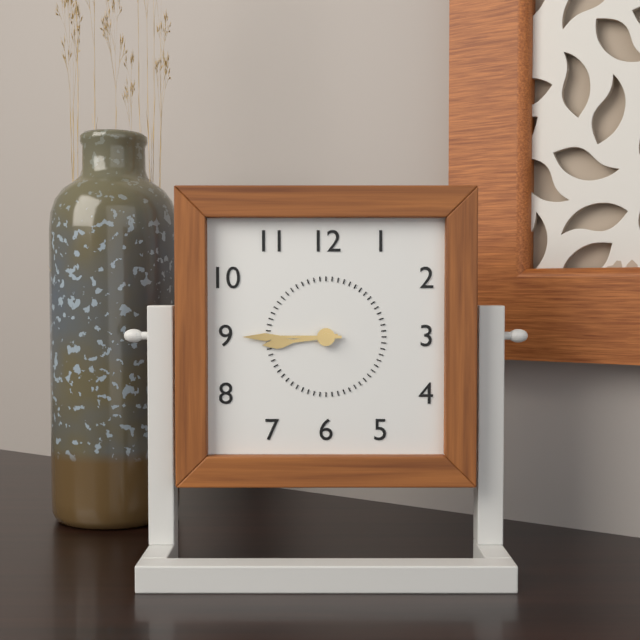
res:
8:45
